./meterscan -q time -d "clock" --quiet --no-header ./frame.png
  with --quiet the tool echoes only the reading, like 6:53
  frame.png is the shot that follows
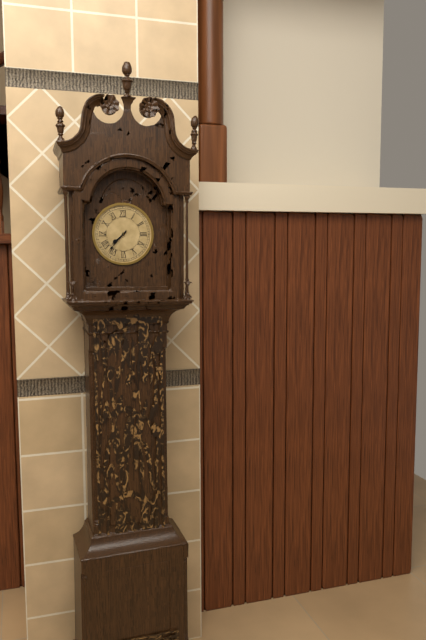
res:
7:37
